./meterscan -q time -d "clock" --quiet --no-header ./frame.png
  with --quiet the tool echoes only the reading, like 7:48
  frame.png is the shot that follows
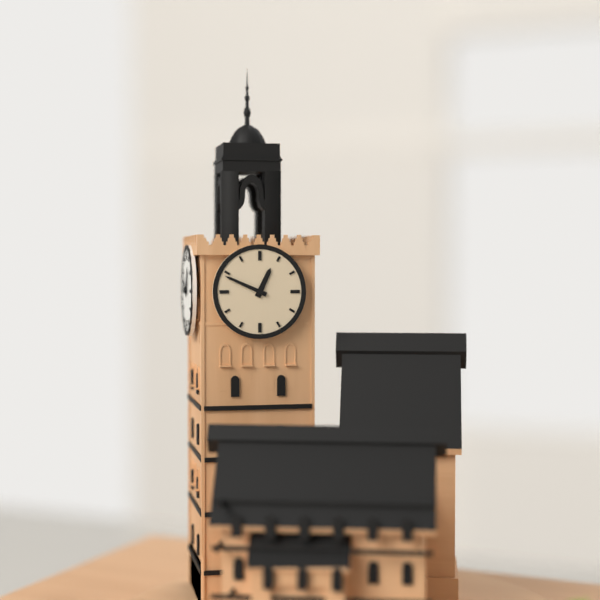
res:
12:49
